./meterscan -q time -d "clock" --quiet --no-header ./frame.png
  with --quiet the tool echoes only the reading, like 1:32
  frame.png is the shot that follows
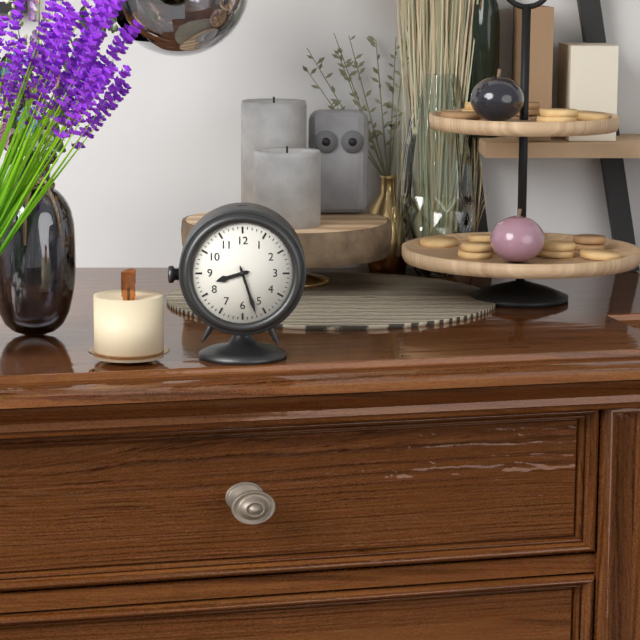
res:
8:27
